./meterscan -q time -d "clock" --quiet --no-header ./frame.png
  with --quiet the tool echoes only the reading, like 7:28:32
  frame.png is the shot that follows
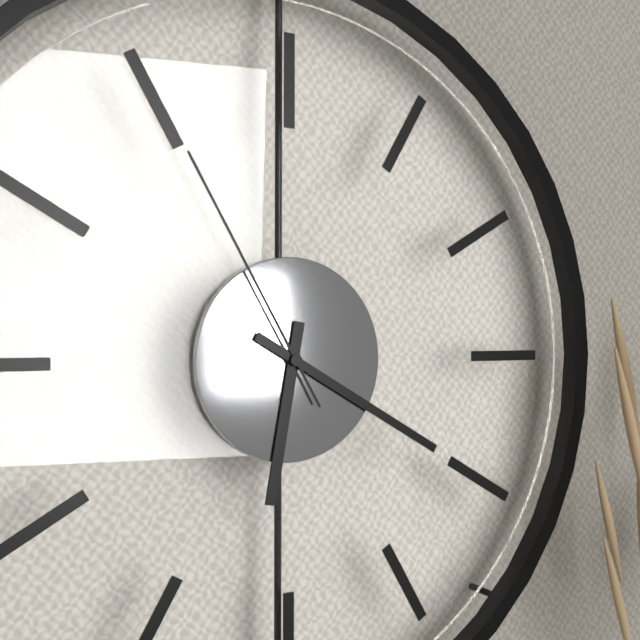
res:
6:20:55
